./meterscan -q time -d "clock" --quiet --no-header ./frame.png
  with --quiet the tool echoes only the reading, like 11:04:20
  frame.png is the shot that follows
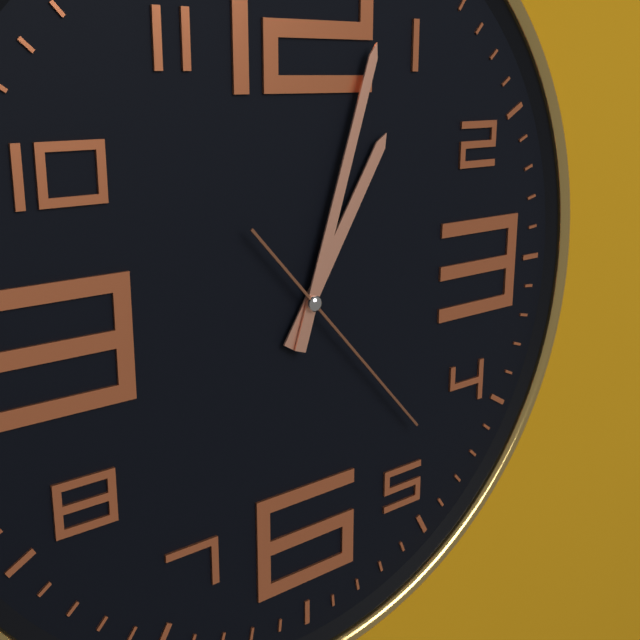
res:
1:03:23
